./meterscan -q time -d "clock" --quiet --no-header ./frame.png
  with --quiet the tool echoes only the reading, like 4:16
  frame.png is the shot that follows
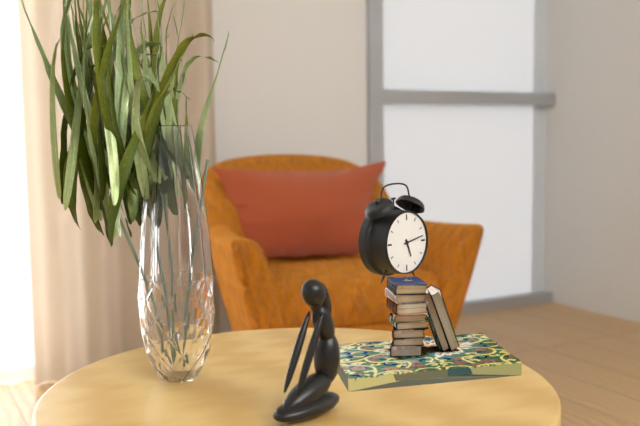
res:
5:13
